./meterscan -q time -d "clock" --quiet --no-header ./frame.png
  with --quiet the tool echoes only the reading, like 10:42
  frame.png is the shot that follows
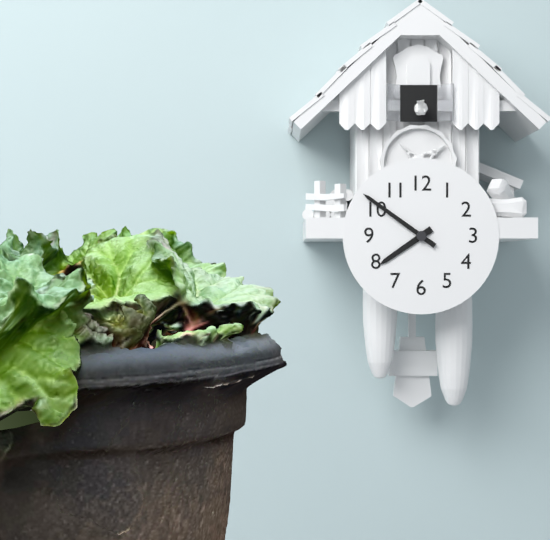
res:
7:51
